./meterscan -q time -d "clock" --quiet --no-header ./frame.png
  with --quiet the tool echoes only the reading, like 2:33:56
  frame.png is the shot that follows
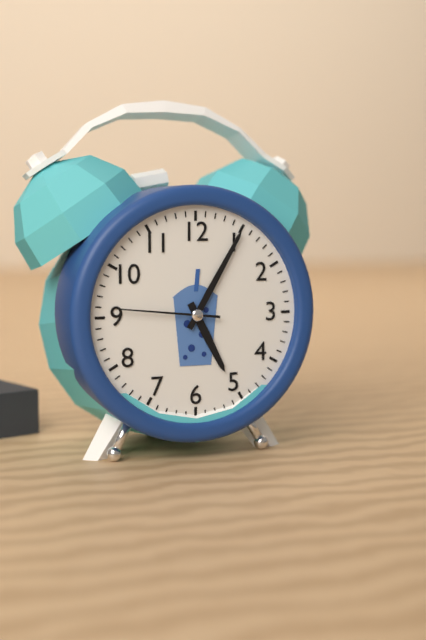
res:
5:05:46
